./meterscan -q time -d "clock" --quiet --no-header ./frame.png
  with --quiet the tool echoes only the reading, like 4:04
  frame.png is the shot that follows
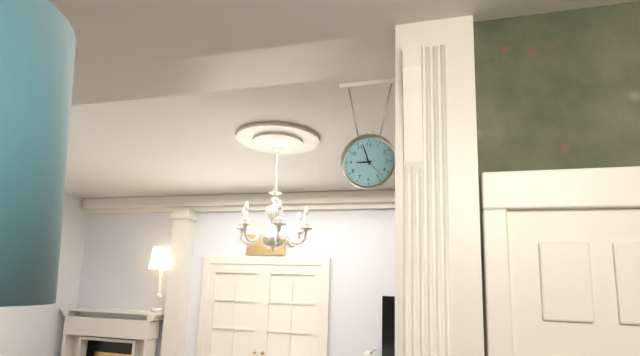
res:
8:57
